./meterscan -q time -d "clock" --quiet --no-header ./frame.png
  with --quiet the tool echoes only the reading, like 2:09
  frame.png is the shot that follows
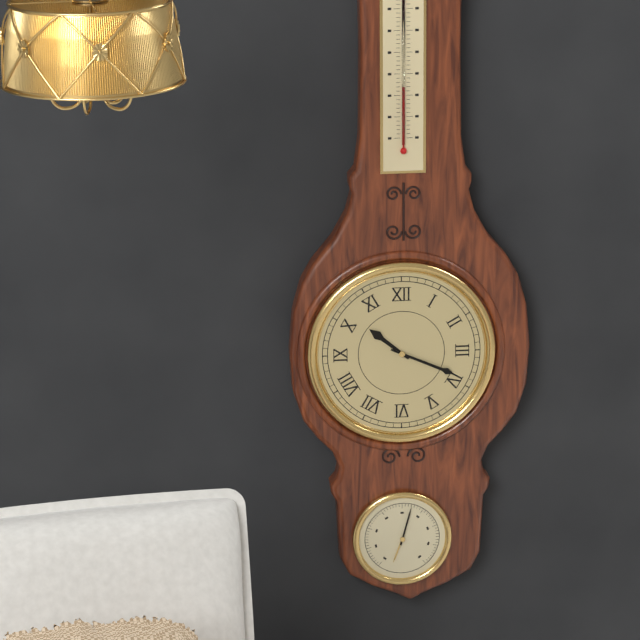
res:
10:19
